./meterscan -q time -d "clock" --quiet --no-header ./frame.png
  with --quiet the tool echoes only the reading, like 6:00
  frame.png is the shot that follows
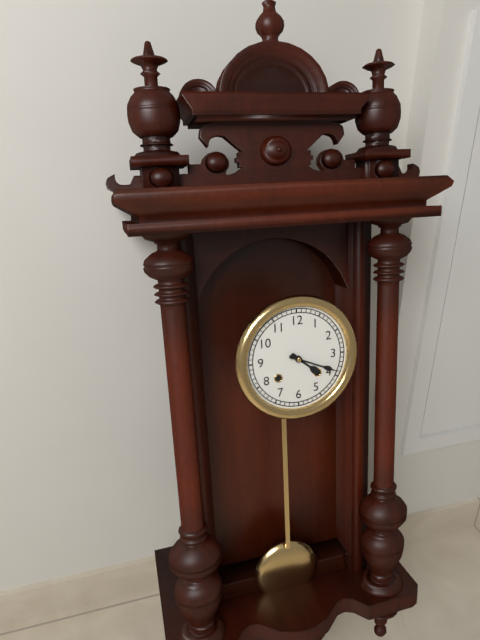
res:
4:19
